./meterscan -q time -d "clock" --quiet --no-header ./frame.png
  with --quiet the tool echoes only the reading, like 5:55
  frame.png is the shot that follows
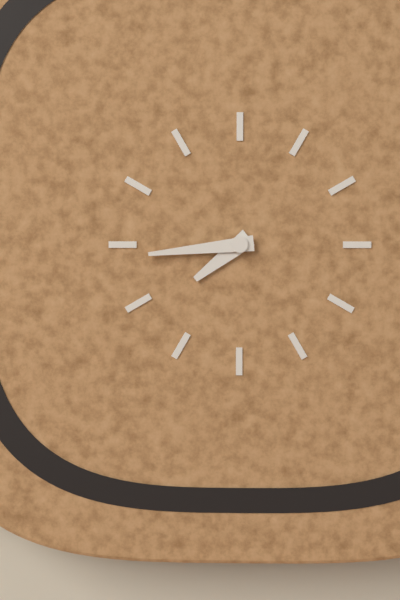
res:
7:44
